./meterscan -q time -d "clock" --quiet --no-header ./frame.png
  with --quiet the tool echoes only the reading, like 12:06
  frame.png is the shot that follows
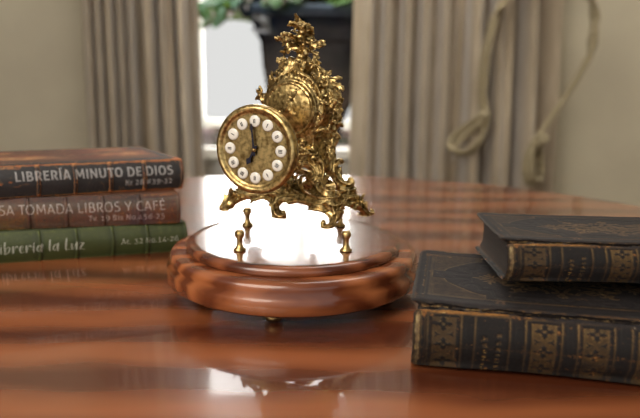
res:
6:59
